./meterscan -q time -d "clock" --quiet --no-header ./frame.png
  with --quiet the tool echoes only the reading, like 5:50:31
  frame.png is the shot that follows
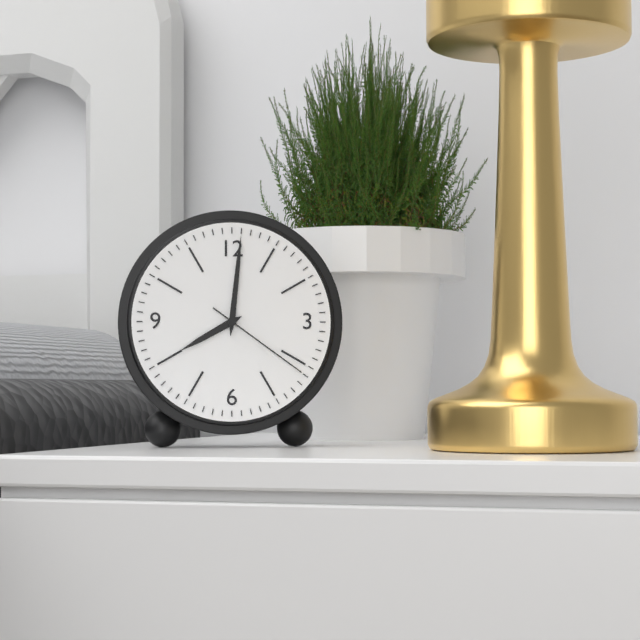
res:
8:01:21
